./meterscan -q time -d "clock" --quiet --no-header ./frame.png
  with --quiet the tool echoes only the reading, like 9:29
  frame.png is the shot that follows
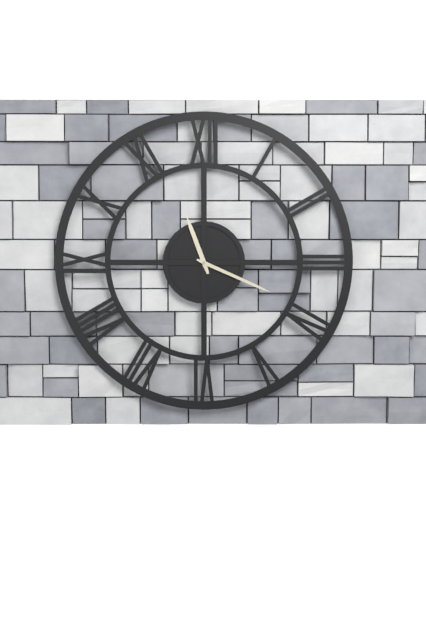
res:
11:19
